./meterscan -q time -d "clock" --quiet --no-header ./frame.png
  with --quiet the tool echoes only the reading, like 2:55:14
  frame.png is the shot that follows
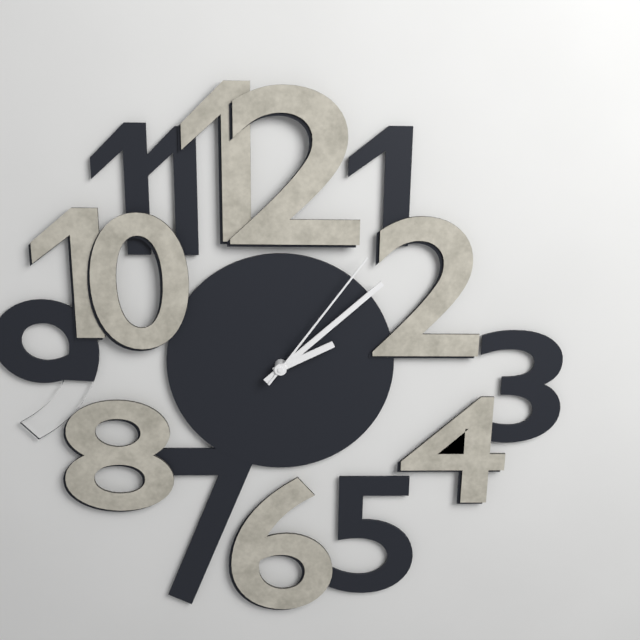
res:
2:08:06
